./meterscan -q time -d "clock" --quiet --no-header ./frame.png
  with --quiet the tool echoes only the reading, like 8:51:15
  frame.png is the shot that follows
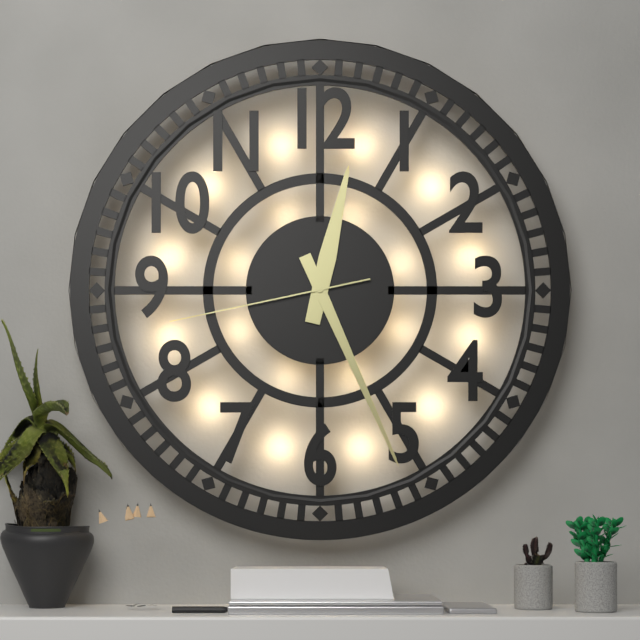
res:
12:26:43
